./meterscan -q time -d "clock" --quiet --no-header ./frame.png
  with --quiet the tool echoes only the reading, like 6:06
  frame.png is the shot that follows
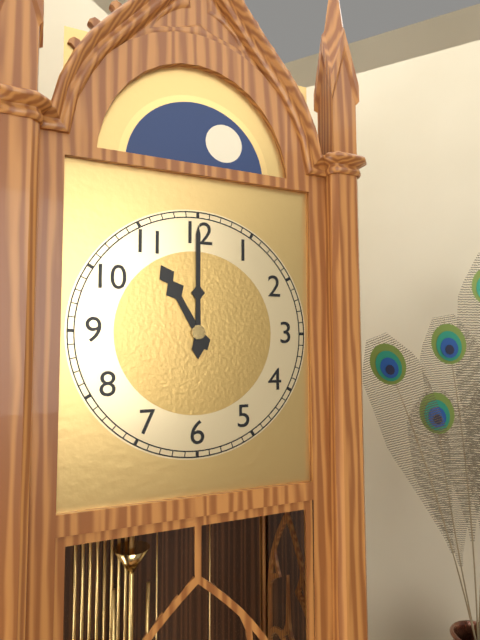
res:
11:00
